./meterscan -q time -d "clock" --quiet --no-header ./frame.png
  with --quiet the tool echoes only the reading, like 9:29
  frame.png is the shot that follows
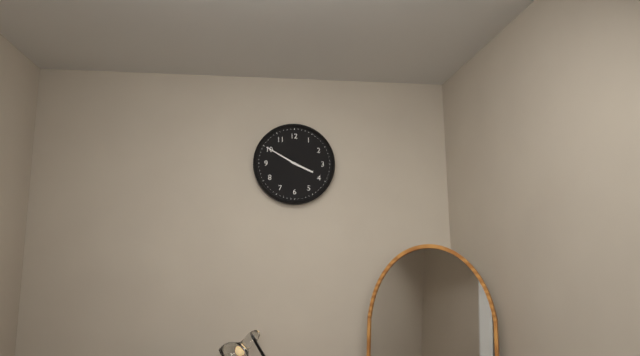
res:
3:50
